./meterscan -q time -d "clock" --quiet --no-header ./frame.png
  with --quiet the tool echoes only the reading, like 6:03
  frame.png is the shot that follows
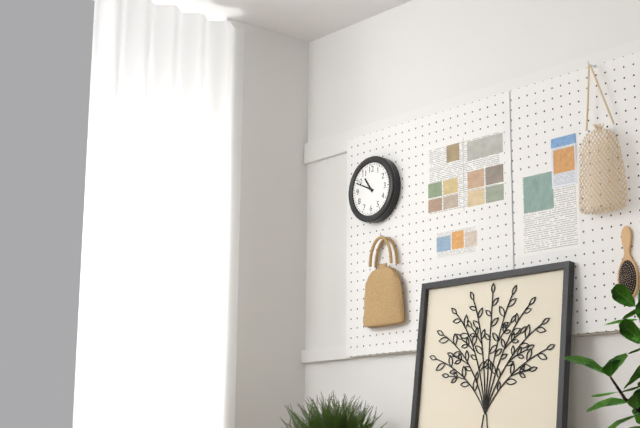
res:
10:49
